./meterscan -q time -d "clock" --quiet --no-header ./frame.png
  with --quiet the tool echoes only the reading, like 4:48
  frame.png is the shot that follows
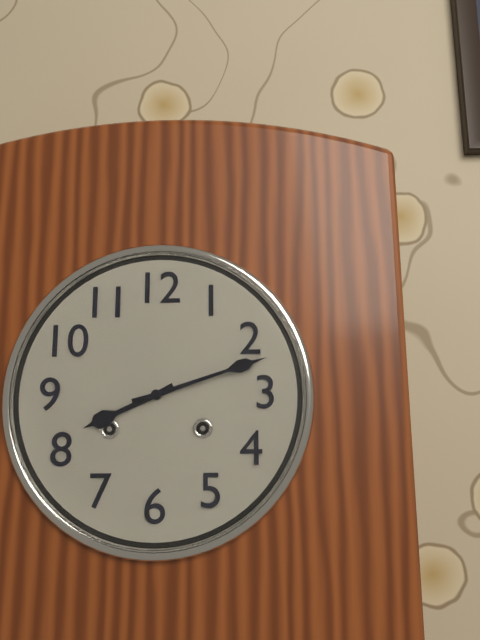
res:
8:12
